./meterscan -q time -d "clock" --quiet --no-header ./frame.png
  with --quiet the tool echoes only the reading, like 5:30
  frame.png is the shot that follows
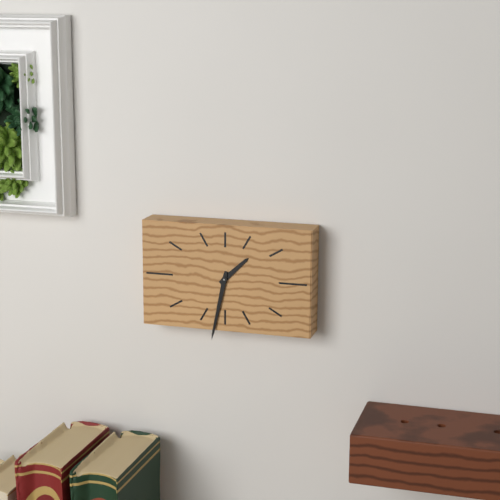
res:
1:32
